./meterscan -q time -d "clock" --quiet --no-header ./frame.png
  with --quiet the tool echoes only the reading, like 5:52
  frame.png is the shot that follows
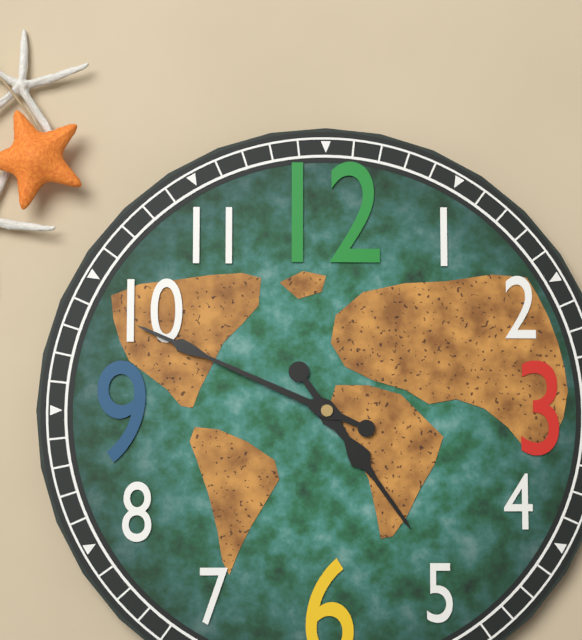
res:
4:49
